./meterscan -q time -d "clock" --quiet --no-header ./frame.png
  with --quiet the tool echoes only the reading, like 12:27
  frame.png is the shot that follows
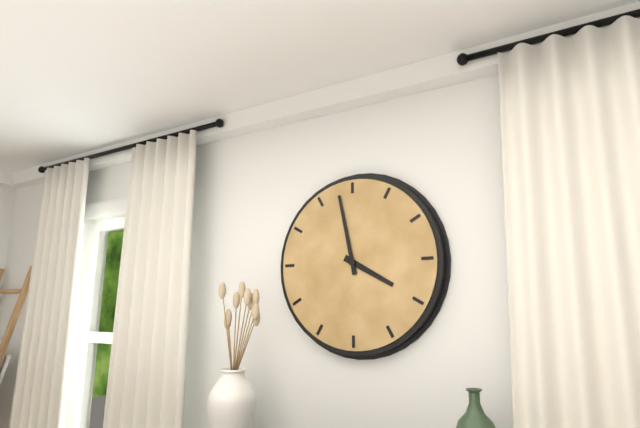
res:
3:58
